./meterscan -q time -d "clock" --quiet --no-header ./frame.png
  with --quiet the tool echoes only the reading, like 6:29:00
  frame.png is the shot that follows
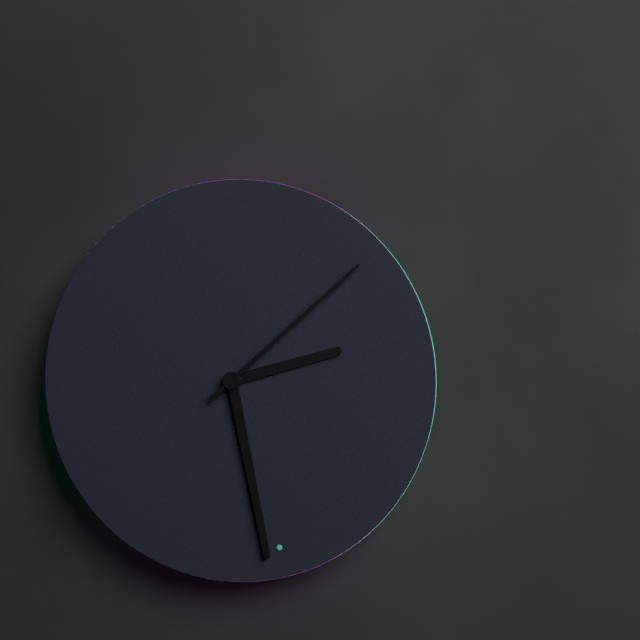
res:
2:28:08
